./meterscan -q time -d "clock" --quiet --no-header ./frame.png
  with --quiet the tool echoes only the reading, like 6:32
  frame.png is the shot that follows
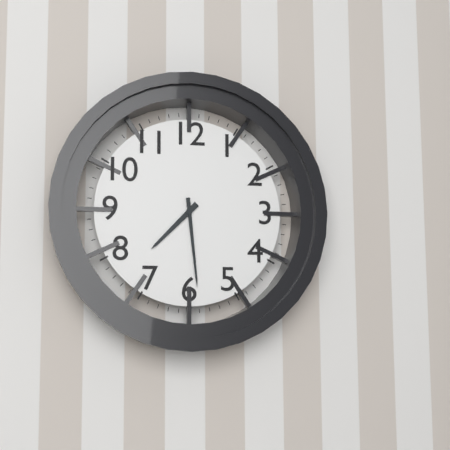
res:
7:29
